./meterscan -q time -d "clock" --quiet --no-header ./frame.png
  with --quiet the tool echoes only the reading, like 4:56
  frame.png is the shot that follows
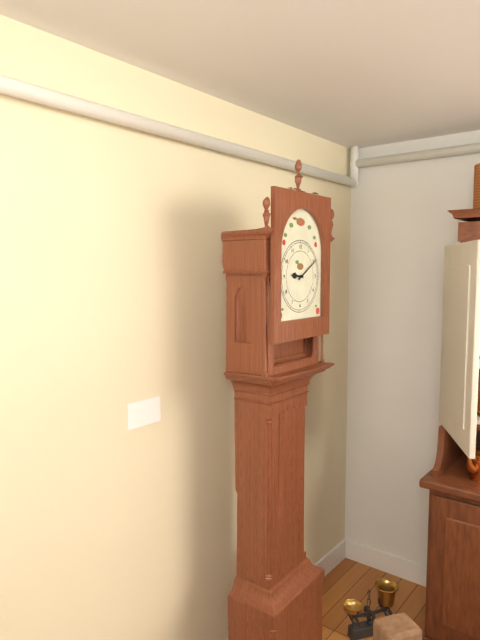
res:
9:10
